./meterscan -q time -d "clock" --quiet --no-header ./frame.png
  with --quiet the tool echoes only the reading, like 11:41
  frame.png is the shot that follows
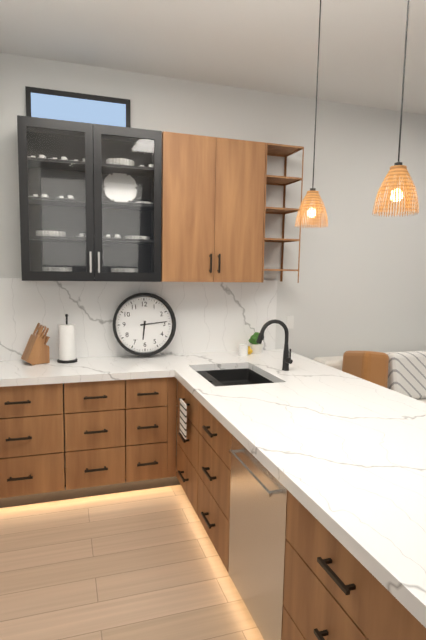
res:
6:14
